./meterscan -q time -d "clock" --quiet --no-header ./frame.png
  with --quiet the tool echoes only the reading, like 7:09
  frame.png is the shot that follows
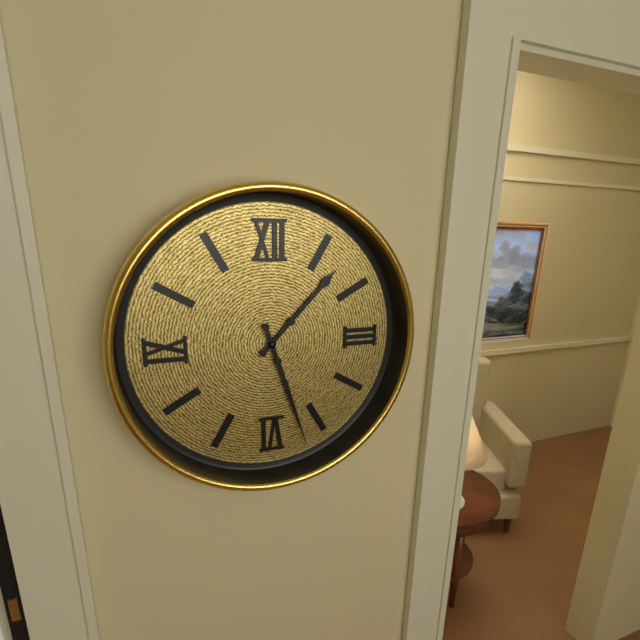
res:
1:27
